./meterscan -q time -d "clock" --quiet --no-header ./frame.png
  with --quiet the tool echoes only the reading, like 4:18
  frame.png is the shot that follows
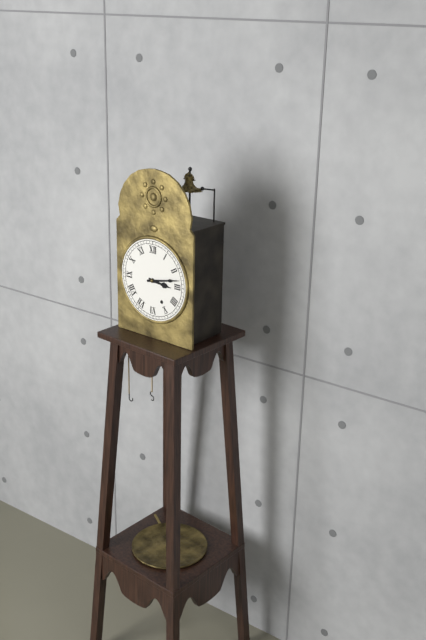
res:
3:13
